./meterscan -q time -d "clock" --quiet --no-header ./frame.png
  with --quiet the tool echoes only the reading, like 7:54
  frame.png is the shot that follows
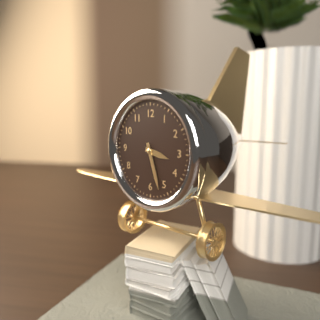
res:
3:27
